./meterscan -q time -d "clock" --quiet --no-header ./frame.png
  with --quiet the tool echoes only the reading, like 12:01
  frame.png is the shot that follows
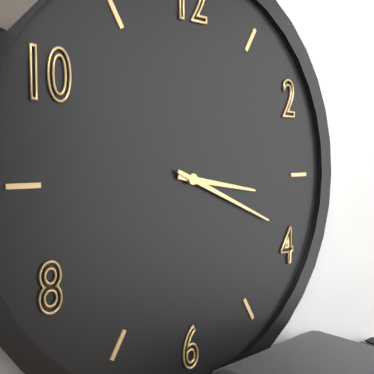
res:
3:19
